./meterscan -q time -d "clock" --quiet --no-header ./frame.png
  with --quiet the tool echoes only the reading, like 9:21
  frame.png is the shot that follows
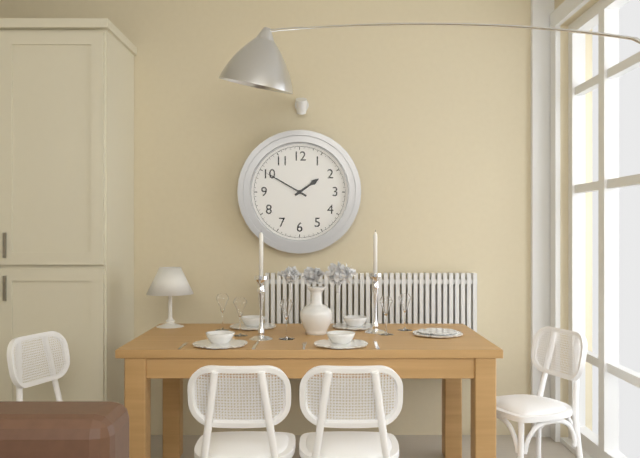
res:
1:50
